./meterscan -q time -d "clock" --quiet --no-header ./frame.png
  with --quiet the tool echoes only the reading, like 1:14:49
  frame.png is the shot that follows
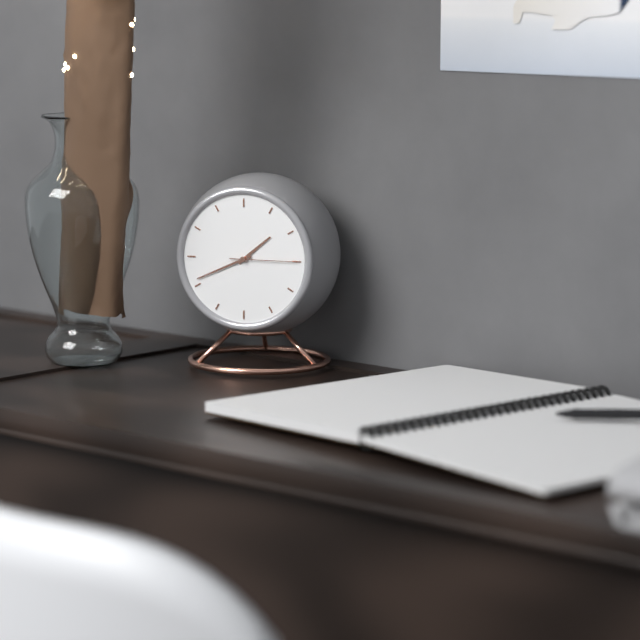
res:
1:41:15
